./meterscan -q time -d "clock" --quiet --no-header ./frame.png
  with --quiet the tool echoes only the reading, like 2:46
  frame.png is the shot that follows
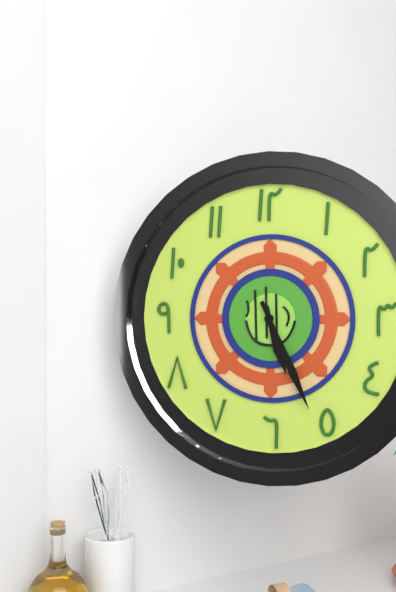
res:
5:26
